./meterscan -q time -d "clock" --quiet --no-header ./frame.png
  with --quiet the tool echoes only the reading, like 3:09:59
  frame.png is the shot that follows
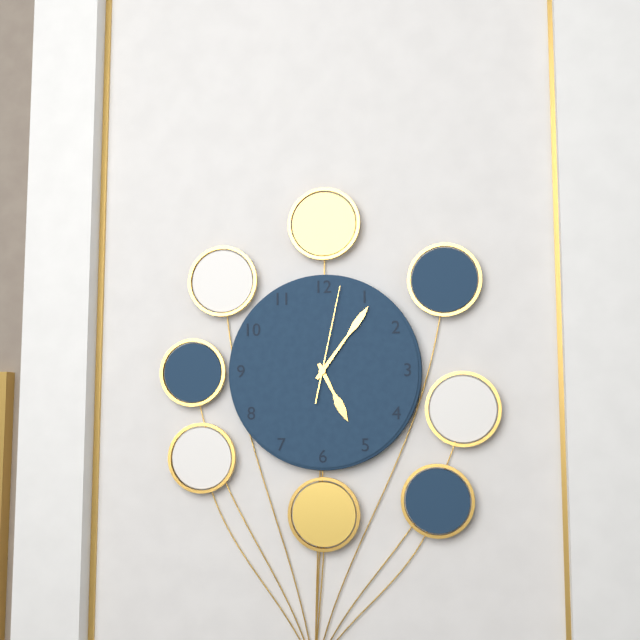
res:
5:06:02
